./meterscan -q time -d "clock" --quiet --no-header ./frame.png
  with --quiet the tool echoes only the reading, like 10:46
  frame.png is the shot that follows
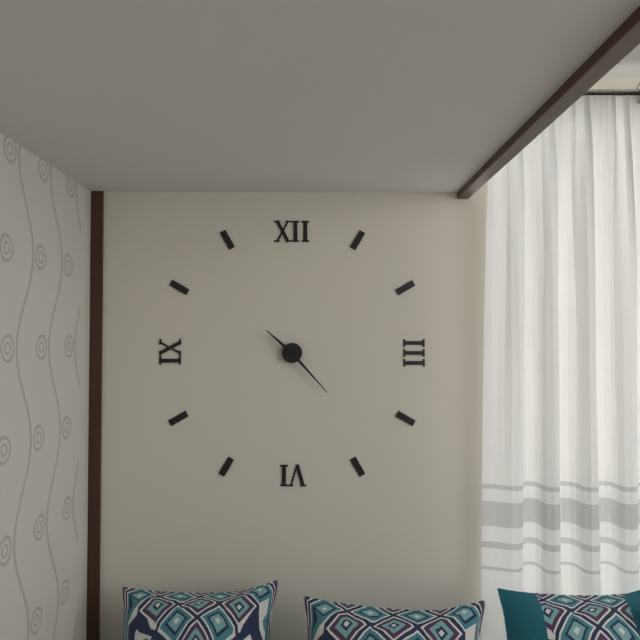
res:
10:23
